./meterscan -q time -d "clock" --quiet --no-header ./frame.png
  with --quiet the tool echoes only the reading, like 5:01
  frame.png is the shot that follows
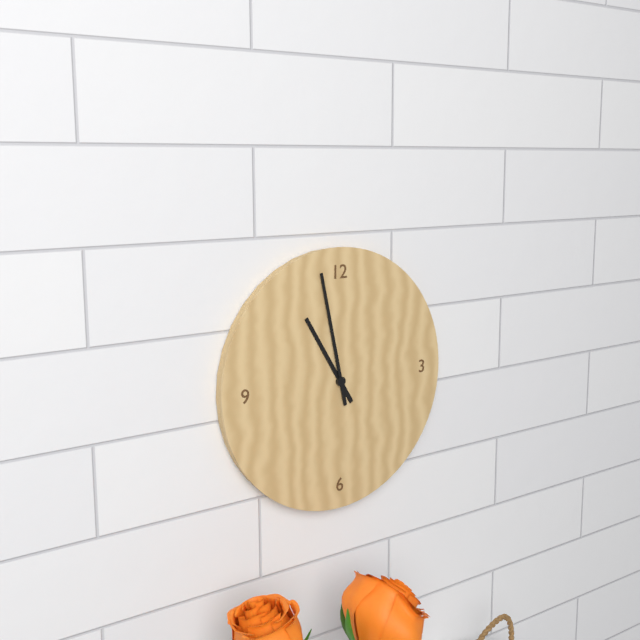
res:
10:58
